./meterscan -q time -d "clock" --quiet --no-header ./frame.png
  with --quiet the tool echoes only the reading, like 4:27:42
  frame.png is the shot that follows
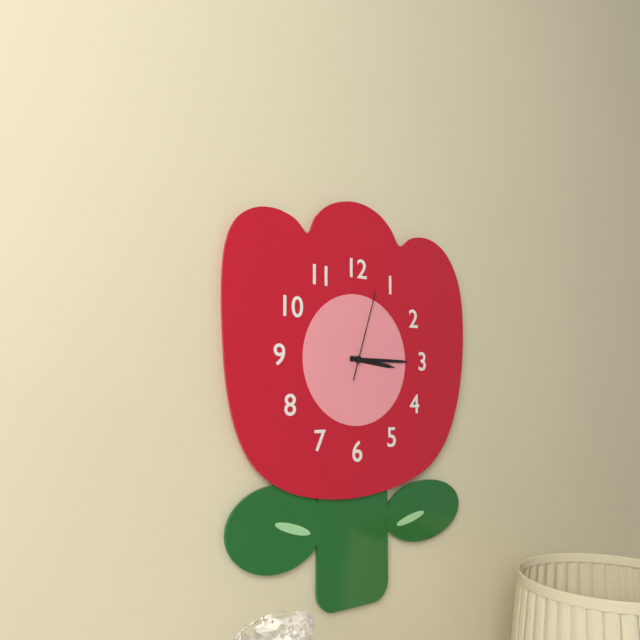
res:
3:15:03
